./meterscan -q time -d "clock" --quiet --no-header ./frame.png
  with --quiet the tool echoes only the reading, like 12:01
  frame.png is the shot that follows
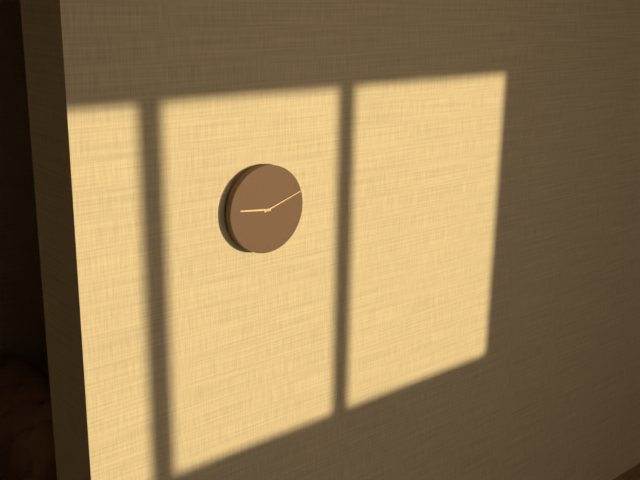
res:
9:12
